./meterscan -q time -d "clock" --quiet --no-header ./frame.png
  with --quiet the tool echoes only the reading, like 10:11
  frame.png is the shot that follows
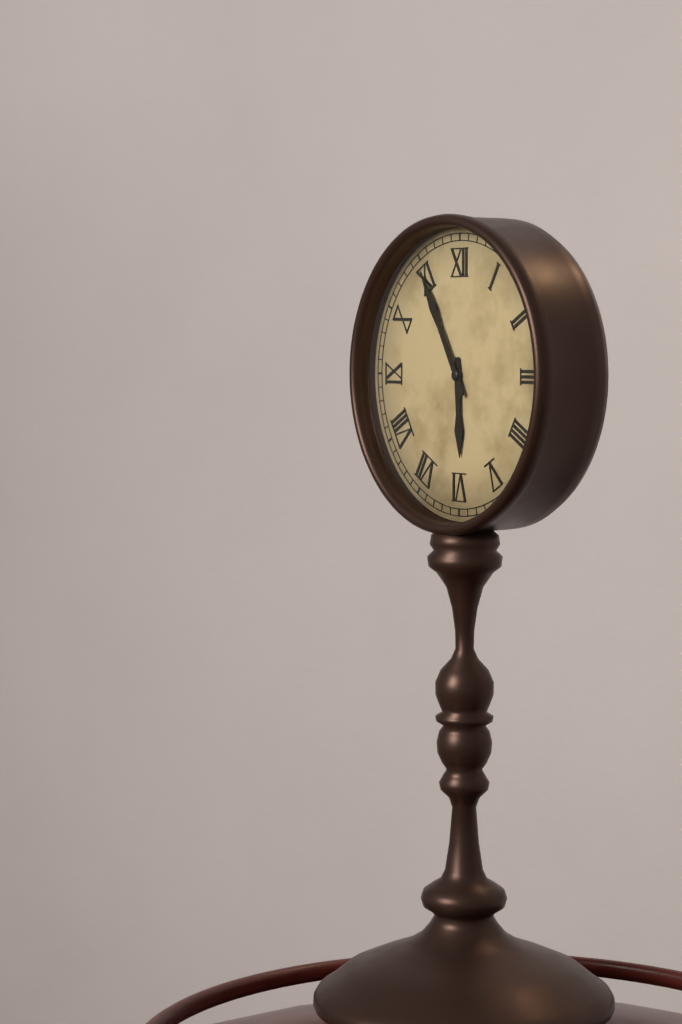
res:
5:55
